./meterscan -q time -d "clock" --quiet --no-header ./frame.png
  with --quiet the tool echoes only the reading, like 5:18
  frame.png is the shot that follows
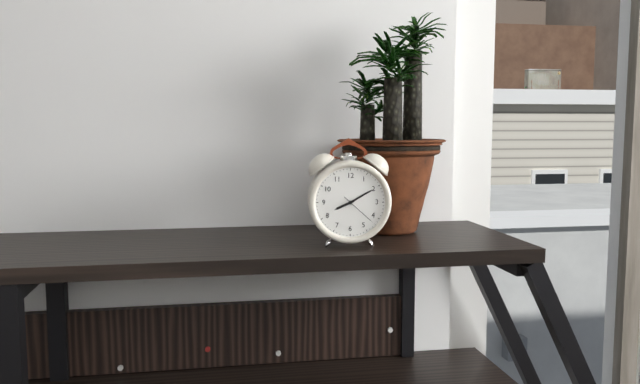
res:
8:10
